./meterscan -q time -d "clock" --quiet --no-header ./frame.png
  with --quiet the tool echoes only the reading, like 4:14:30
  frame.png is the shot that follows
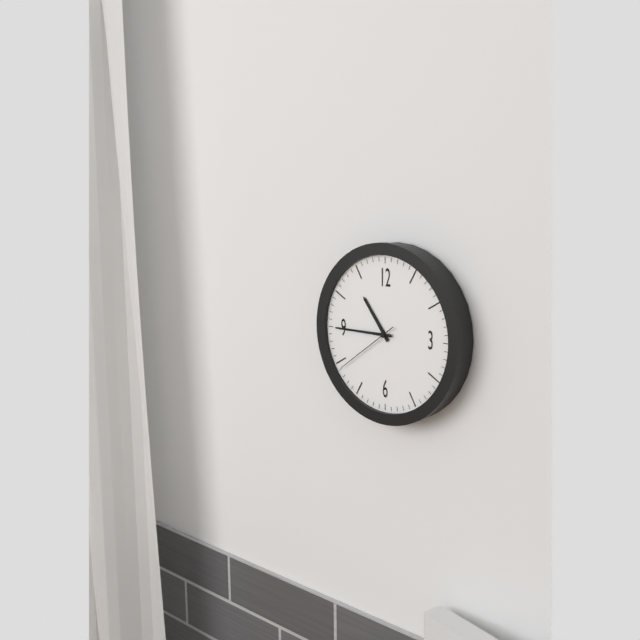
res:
10:45:39
